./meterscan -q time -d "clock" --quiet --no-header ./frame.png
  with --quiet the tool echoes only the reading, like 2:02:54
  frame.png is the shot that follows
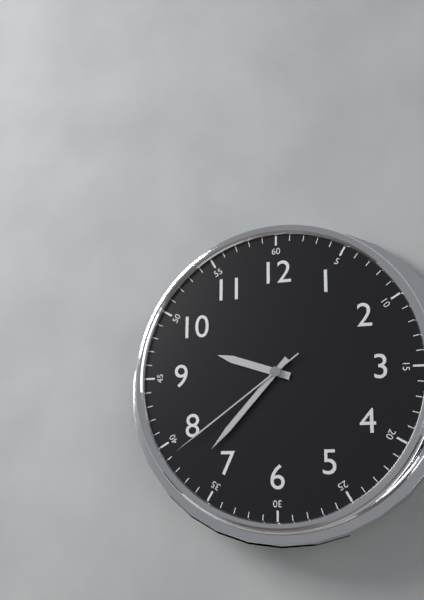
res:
9:37:39
